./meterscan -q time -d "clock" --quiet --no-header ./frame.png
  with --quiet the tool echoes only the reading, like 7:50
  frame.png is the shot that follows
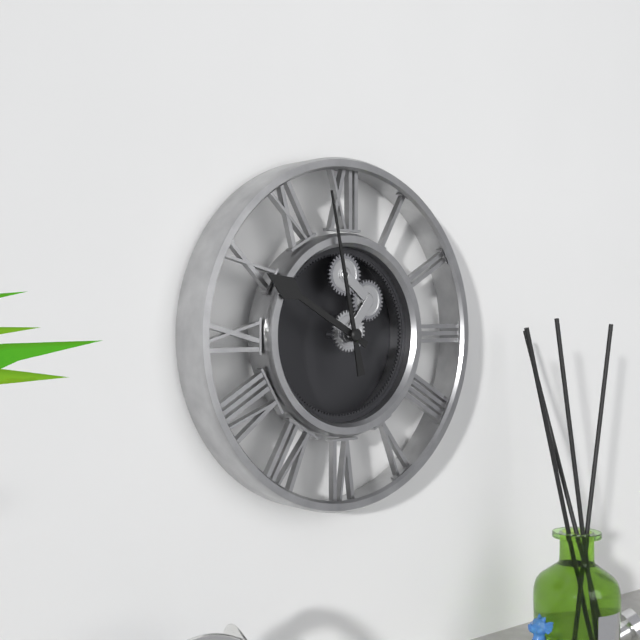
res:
9:58
